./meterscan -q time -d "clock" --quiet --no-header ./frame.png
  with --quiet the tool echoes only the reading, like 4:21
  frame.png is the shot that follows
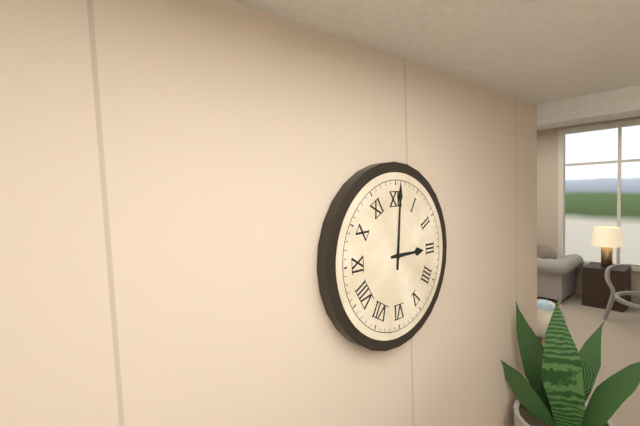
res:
3:01
